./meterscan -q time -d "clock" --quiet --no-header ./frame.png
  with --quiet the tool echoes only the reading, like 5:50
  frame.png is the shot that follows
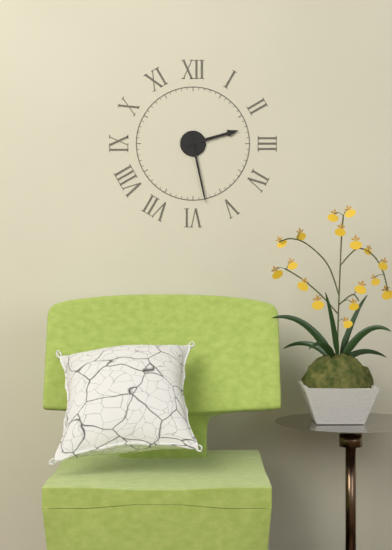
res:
2:28
